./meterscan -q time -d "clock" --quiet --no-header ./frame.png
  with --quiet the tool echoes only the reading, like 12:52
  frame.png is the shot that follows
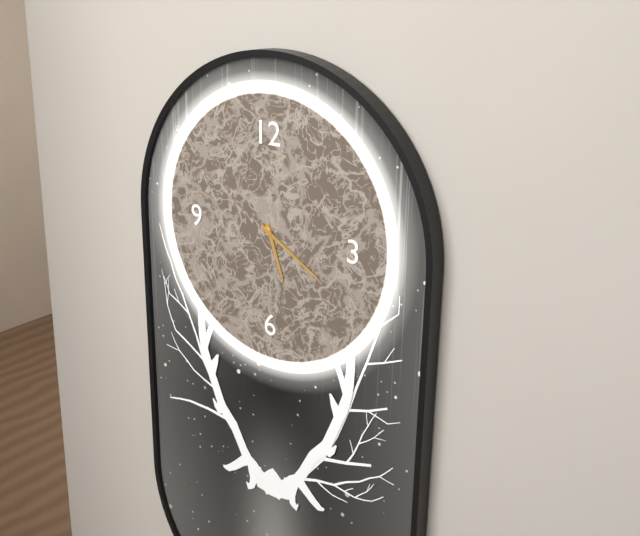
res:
5:20
